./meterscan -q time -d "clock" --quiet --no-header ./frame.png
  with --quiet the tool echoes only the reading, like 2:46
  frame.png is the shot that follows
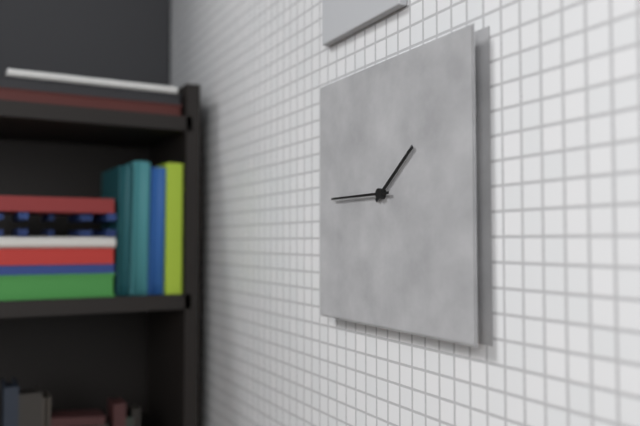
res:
1:45
